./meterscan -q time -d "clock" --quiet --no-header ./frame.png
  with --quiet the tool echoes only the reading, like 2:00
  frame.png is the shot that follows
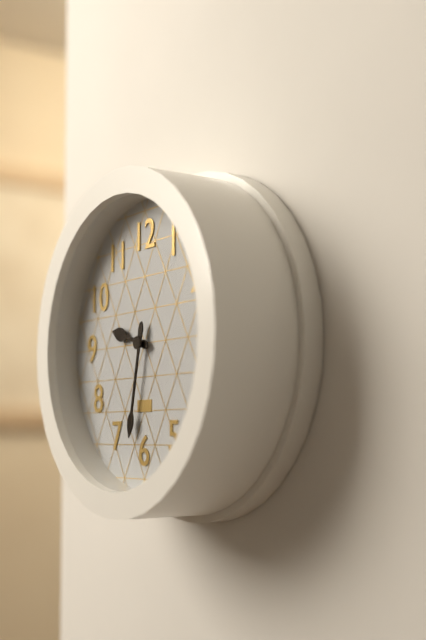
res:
9:32
